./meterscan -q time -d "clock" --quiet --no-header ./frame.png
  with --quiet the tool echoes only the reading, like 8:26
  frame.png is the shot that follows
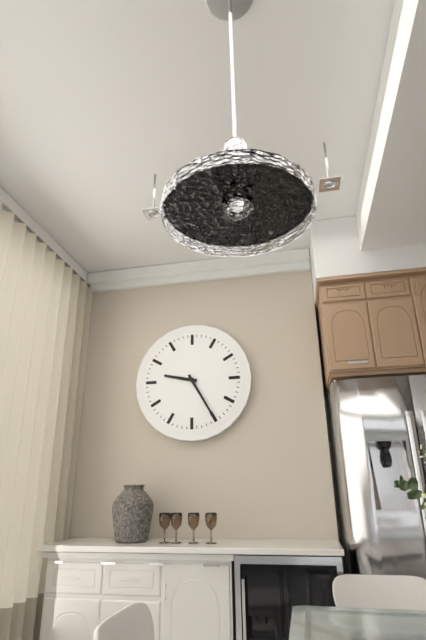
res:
9:25
